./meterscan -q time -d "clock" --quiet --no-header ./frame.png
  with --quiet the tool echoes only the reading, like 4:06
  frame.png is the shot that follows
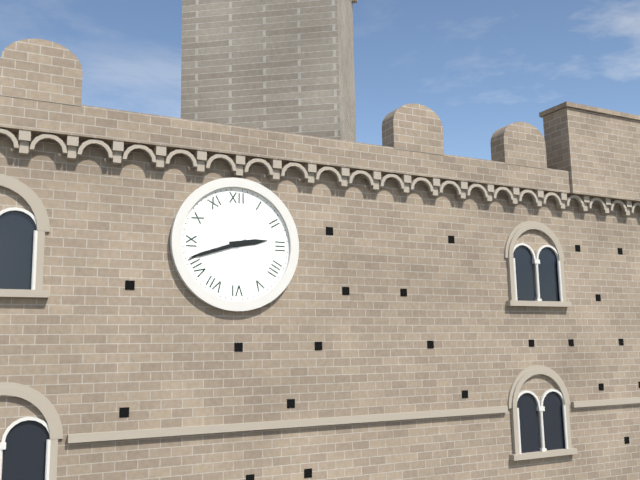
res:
2:42
